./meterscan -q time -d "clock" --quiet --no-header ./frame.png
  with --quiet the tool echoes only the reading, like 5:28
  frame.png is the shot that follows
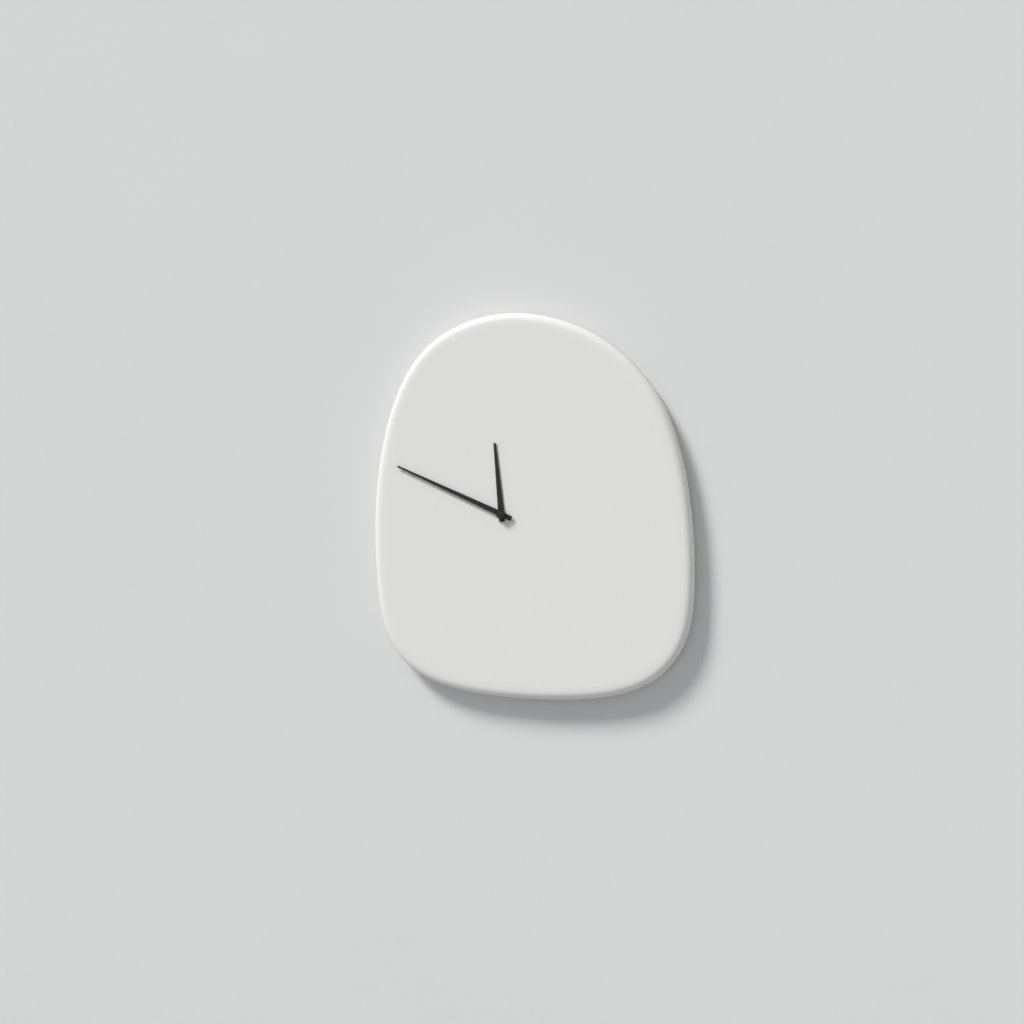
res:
11:49
